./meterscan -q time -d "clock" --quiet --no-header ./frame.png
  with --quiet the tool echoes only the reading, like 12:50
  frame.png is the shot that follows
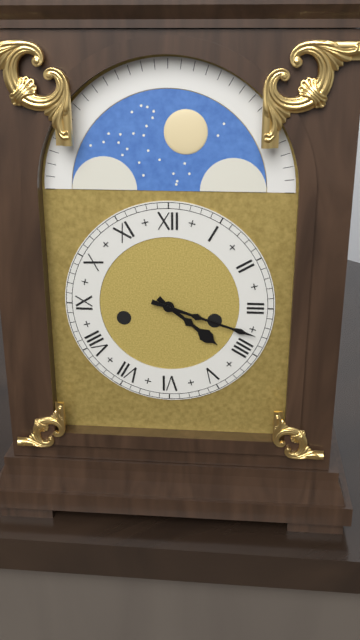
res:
4:18
